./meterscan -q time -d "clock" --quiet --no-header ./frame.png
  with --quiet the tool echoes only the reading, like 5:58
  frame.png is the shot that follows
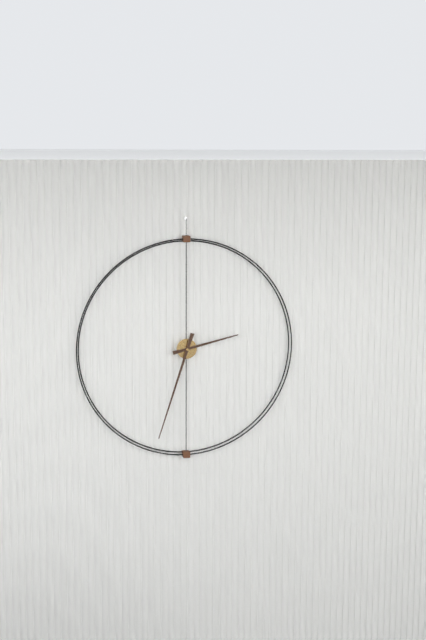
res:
2:33
